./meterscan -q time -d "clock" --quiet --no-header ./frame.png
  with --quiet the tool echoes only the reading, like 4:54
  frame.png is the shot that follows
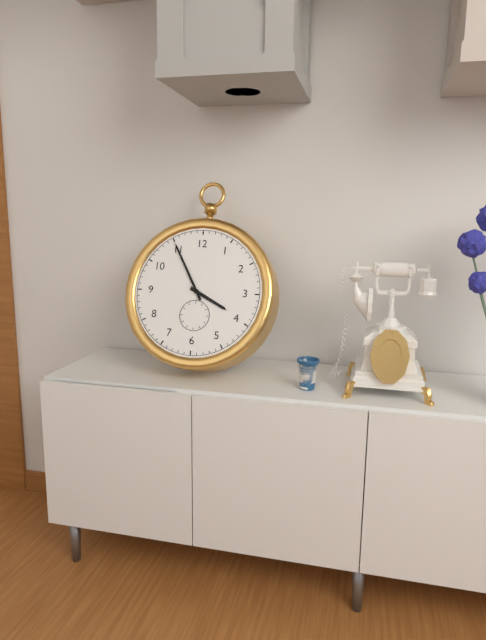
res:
3:55
